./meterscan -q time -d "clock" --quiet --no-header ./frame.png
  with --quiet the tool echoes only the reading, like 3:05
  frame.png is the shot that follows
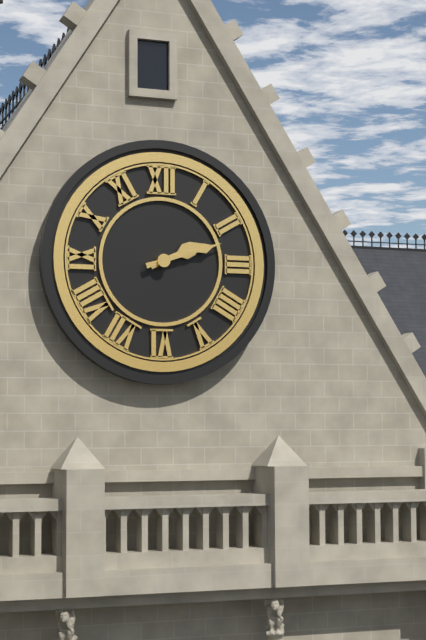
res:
2:12
